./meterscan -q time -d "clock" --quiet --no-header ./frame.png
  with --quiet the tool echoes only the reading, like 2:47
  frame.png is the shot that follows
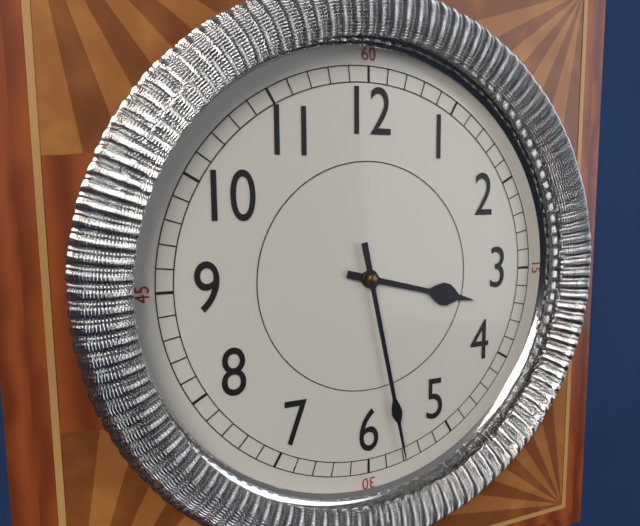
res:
3:28
